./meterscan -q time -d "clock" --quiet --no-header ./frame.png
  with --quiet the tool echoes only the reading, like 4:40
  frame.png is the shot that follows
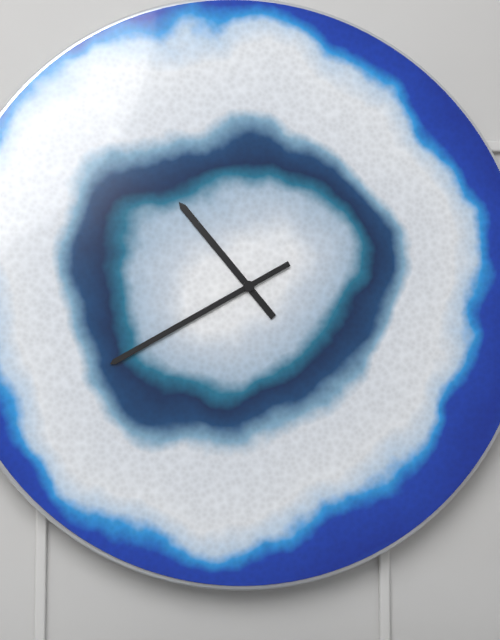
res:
10:40
